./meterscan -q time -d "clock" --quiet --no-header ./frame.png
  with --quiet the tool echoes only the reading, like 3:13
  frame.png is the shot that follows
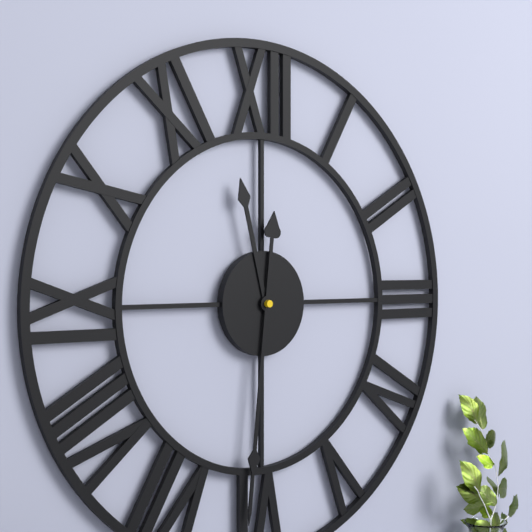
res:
11:31
